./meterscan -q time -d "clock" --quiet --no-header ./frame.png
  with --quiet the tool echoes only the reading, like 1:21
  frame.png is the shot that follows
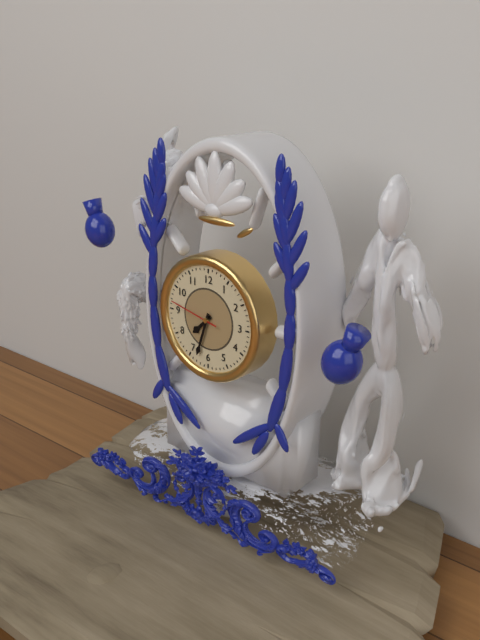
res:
7:33
